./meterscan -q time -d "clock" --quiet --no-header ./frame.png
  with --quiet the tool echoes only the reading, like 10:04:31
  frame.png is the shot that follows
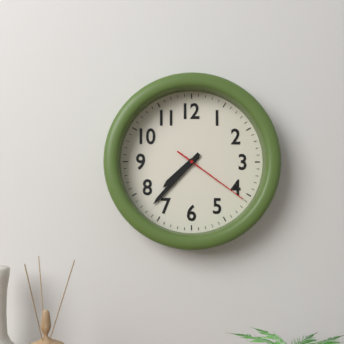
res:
7:37:21
